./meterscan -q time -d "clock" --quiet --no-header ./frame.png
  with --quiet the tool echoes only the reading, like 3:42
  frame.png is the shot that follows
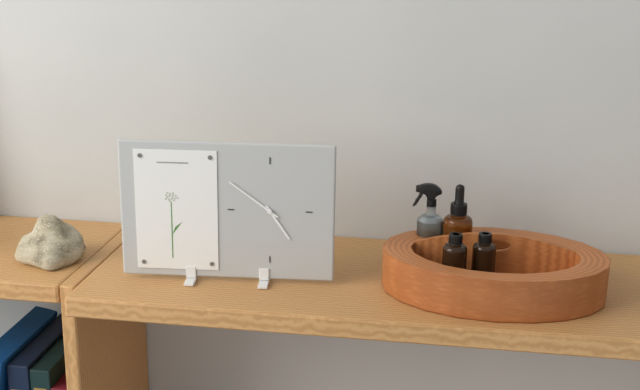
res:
4:51
